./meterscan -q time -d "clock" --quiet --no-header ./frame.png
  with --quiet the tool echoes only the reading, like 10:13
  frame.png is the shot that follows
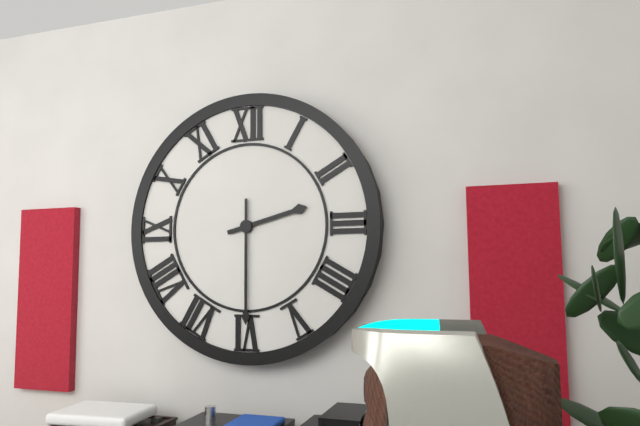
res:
2:30
